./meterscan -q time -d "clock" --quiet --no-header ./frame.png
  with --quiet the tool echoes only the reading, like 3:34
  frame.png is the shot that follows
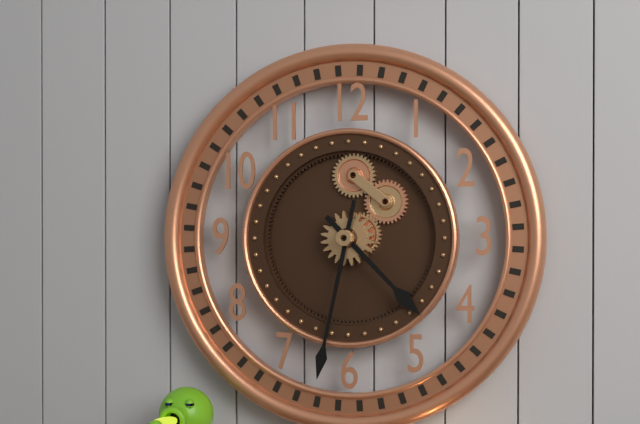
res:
4:32
